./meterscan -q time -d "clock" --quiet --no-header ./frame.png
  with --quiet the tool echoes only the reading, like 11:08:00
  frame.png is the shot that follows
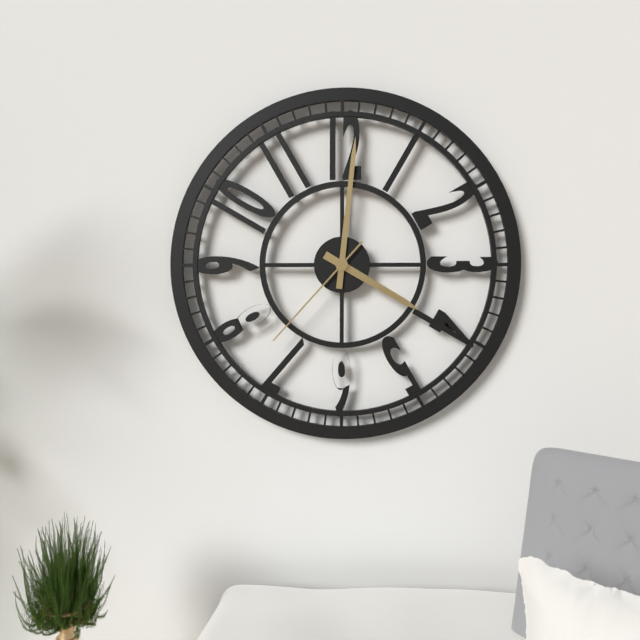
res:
4:01:37
